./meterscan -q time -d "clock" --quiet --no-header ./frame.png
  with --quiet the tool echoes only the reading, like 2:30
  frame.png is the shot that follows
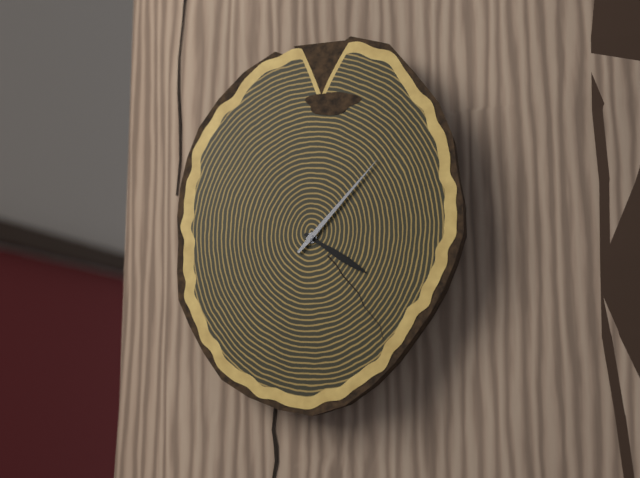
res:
4:07
